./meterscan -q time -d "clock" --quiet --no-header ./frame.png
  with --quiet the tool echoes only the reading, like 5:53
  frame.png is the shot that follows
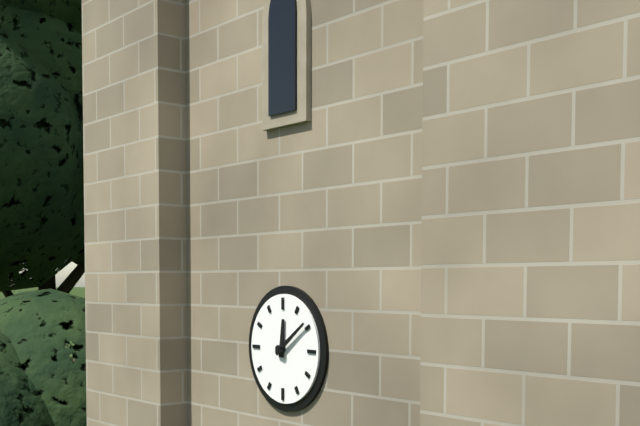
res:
12:09
